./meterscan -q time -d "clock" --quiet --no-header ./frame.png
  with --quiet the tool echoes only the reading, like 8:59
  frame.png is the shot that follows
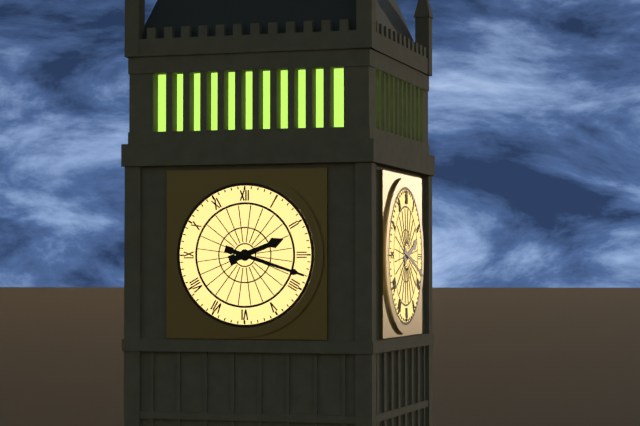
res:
2:18
